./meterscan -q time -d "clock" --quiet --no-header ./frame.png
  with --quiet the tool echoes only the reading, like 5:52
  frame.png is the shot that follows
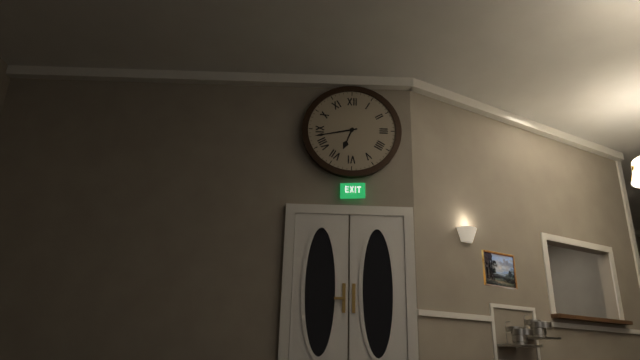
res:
6:43
